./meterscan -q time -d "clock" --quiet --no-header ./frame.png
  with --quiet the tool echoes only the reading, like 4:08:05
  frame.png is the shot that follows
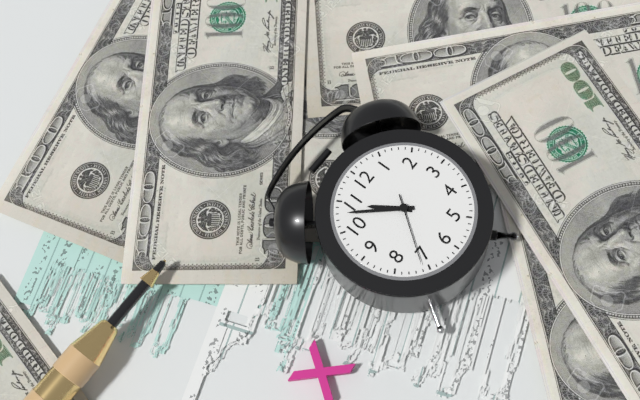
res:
10:53:36
